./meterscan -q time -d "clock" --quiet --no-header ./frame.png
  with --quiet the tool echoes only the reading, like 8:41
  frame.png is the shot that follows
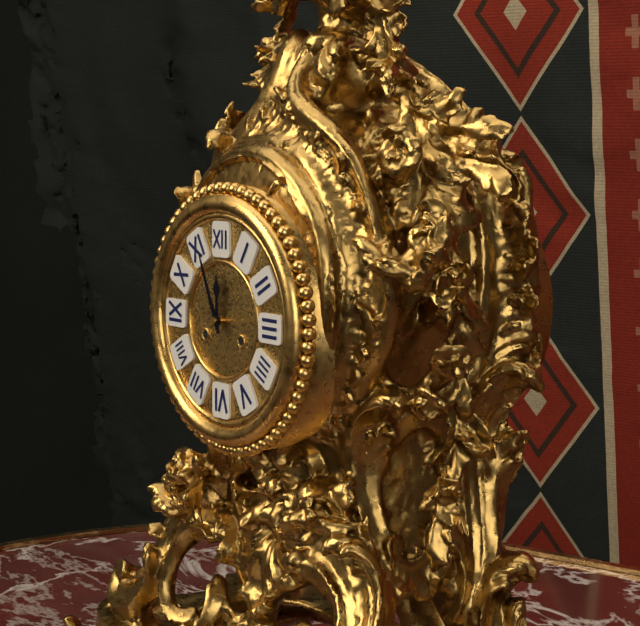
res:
11:56
